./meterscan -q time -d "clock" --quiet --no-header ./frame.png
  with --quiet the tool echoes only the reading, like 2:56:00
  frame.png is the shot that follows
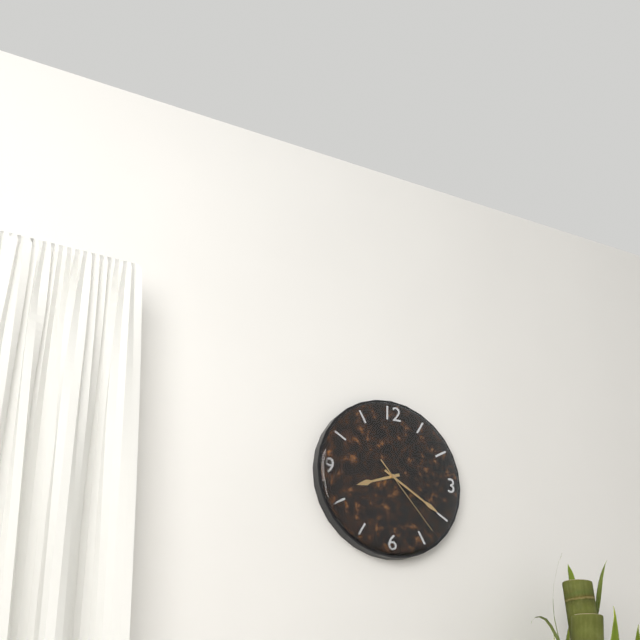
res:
8:20:23
